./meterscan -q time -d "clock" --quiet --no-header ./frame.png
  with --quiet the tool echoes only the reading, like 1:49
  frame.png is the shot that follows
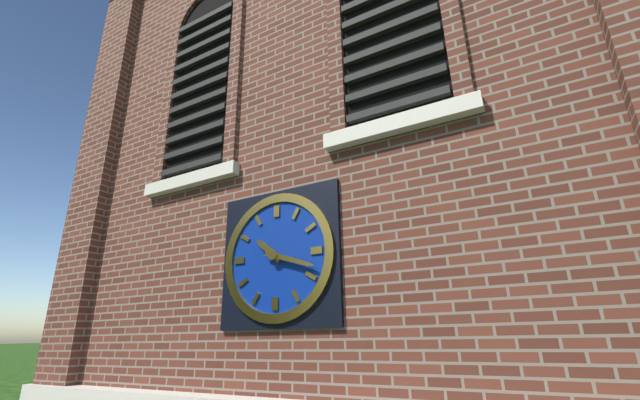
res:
10:18
